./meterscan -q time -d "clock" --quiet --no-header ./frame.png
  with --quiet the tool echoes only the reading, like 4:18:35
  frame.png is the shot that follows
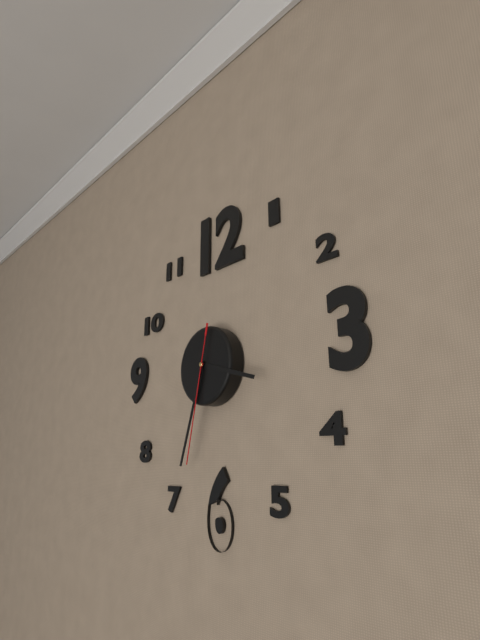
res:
3:33:32
